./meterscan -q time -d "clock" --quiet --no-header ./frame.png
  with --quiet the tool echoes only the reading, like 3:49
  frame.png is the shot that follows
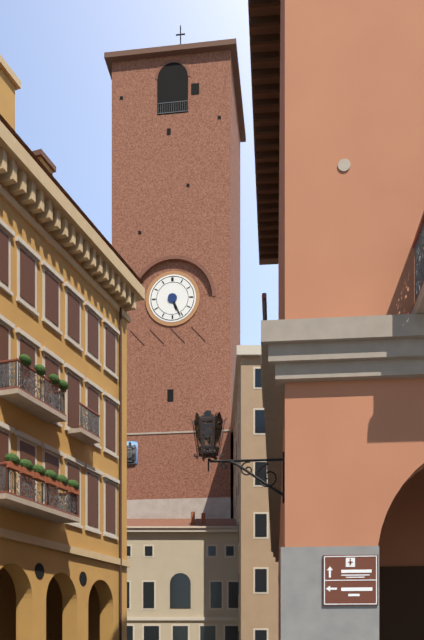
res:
5:26
